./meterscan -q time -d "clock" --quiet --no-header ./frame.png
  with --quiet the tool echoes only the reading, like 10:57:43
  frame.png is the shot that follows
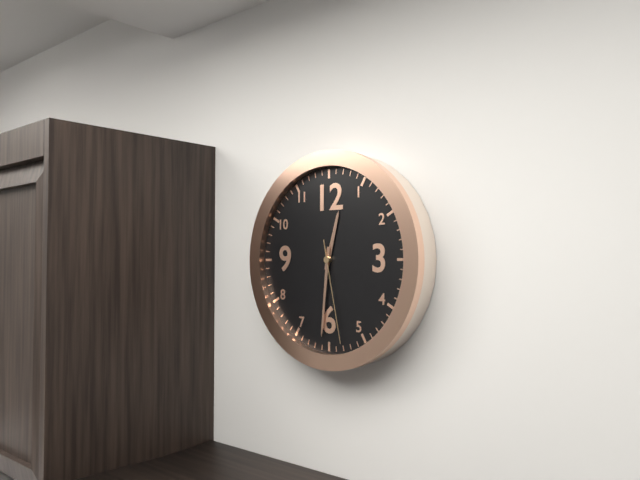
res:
12:31:28
